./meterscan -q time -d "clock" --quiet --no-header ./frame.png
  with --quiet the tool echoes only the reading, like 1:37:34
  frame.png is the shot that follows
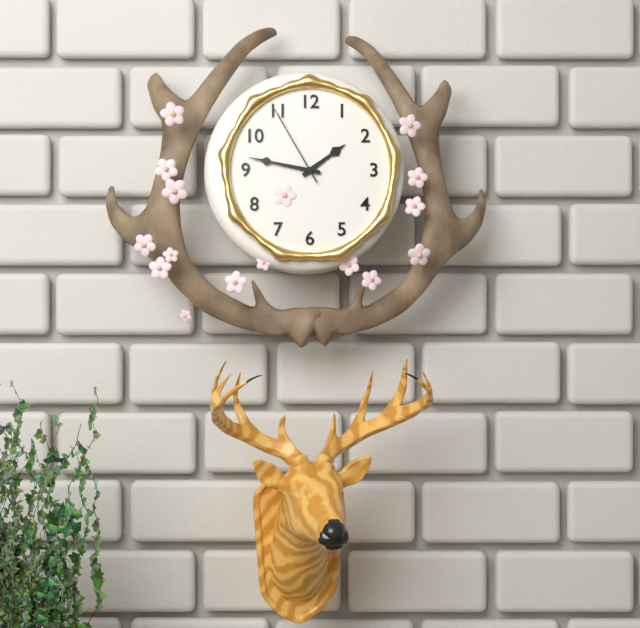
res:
1:47:55
